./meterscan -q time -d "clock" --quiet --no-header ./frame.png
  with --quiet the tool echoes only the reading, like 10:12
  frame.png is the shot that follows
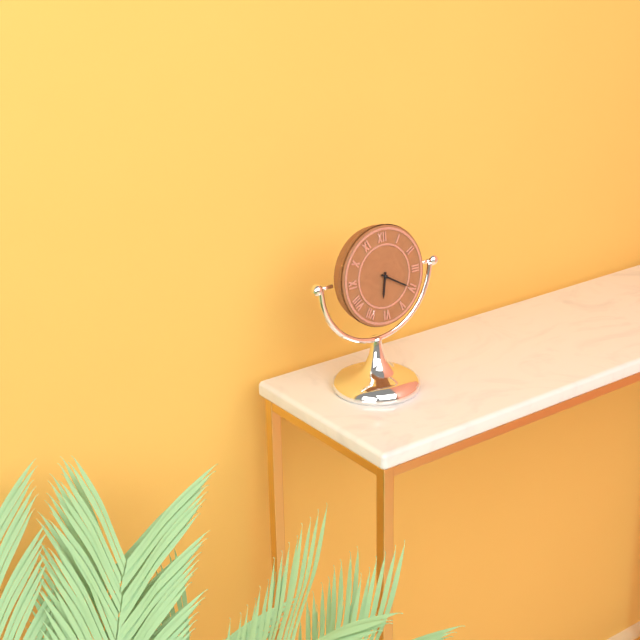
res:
6:20
